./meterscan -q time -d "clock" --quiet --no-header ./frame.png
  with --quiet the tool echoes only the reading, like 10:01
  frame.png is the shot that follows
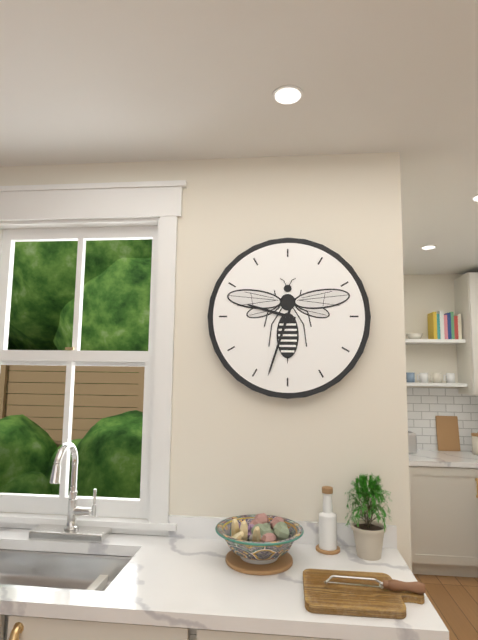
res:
9:33
